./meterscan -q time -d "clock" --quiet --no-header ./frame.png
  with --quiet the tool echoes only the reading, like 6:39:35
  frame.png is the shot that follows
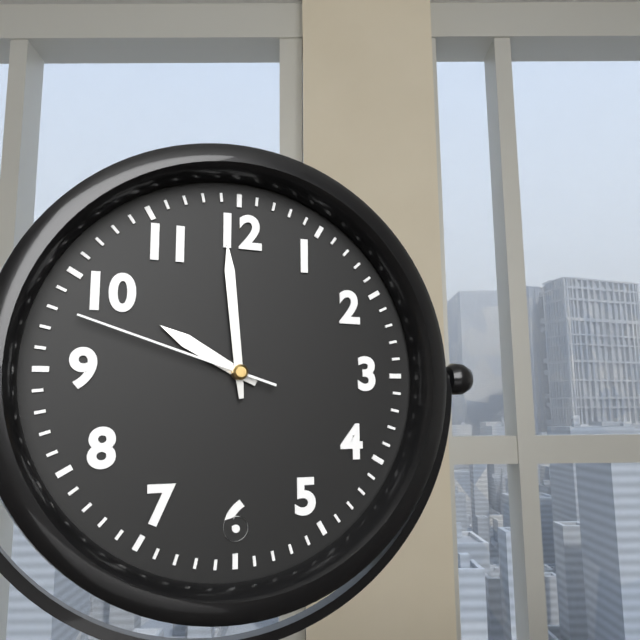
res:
9:59:48
